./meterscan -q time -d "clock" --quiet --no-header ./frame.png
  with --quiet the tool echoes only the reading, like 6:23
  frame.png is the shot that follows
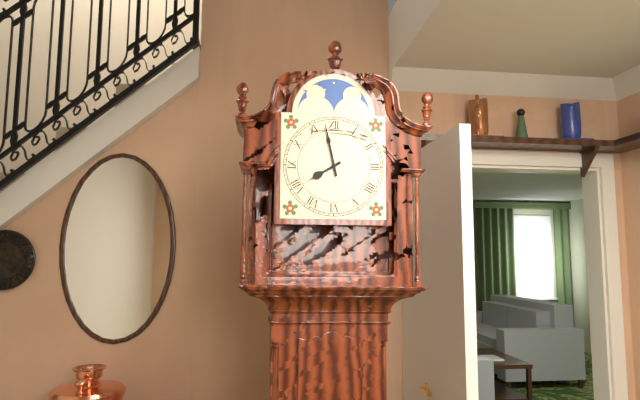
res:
7:58
